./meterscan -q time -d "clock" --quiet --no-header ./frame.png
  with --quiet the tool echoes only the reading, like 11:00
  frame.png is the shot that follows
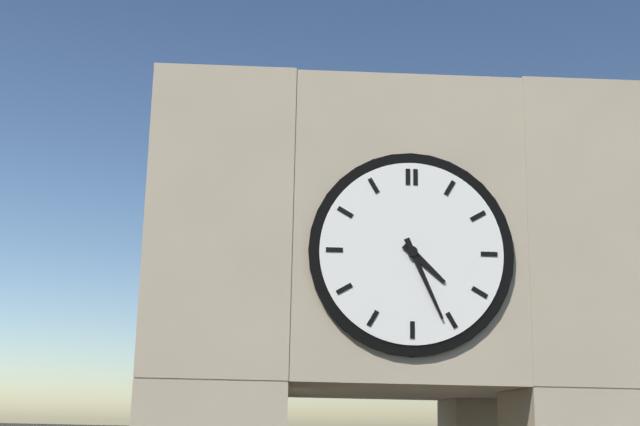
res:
4:26
